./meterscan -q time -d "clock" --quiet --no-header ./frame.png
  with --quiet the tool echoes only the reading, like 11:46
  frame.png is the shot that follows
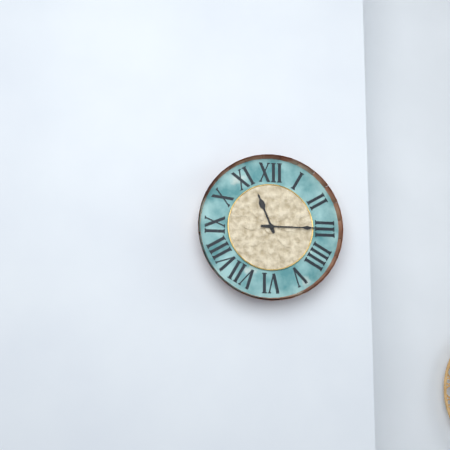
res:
11:15
